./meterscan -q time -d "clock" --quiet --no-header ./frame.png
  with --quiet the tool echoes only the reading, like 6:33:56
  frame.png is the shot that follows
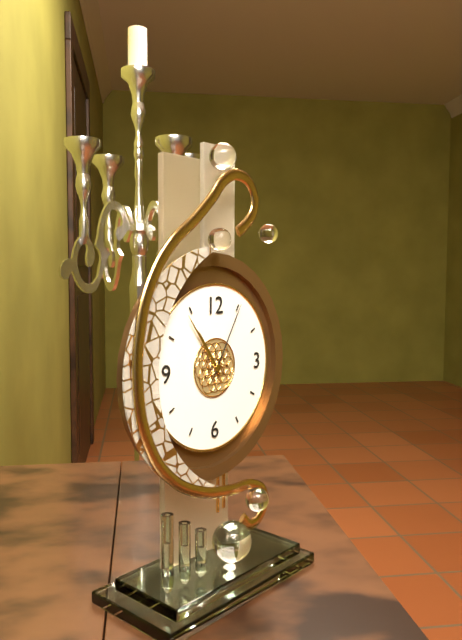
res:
10:54:05
